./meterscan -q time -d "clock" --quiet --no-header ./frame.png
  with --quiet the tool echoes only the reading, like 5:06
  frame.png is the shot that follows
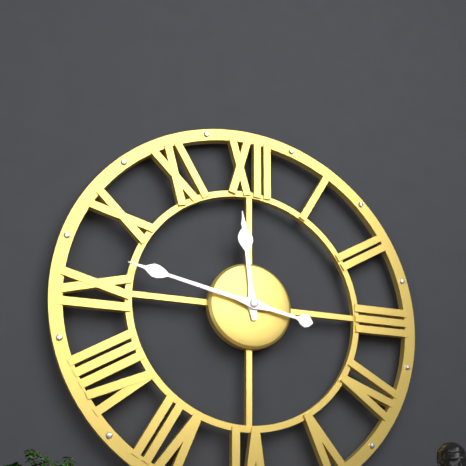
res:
11:47
